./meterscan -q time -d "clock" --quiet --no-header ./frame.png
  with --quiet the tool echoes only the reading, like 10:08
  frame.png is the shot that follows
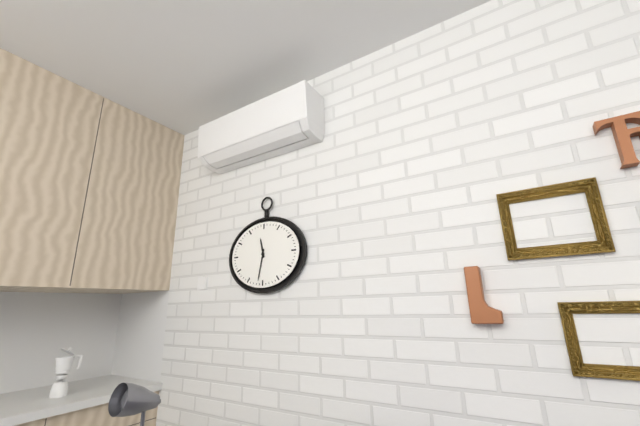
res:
11:32
